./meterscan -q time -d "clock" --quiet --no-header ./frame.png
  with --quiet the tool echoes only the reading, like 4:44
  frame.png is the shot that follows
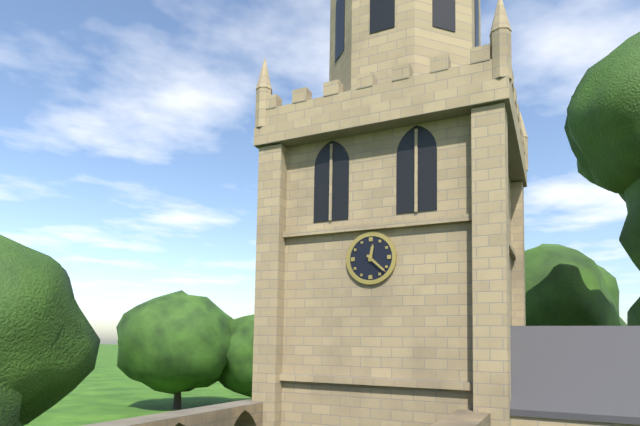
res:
12:22
